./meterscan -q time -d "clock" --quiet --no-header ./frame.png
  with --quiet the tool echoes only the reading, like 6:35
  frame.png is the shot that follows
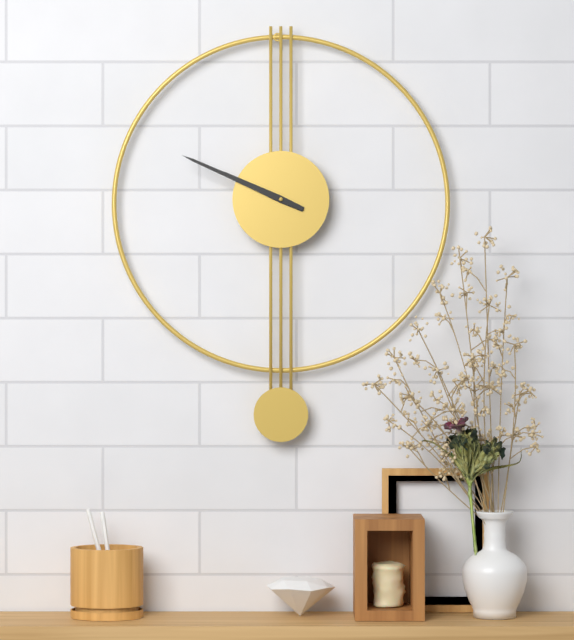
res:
9:49
